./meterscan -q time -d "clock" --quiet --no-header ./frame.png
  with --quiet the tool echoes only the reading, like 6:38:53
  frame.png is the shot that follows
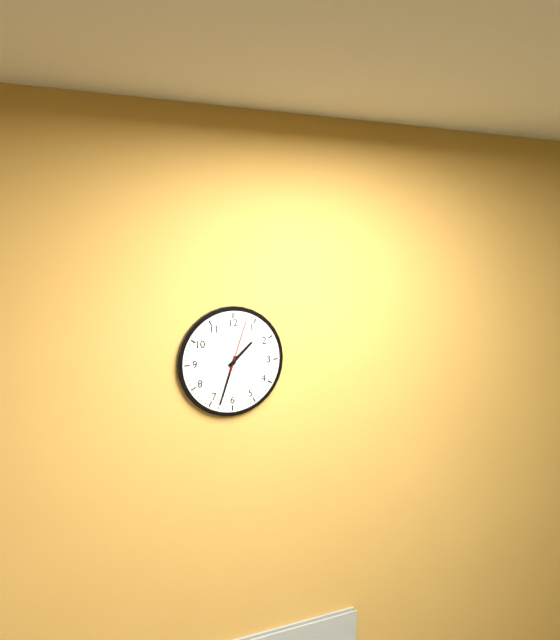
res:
1:33:03
